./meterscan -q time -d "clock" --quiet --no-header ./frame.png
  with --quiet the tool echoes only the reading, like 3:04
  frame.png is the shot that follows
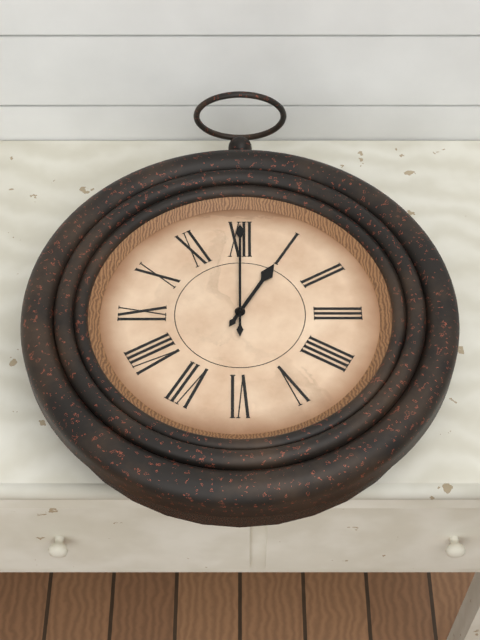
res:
1:00
